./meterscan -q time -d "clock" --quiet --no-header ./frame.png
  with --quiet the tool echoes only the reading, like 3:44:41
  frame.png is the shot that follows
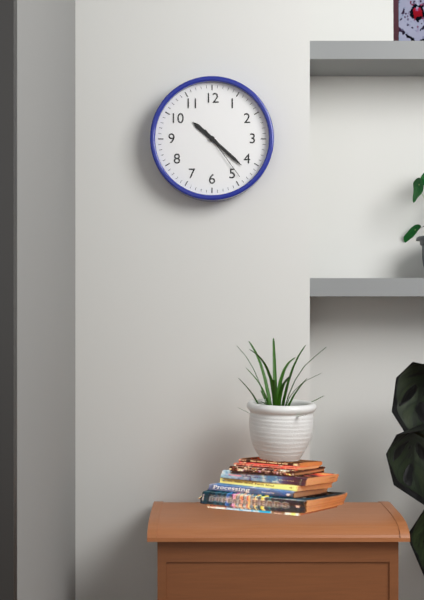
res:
10:22:24
